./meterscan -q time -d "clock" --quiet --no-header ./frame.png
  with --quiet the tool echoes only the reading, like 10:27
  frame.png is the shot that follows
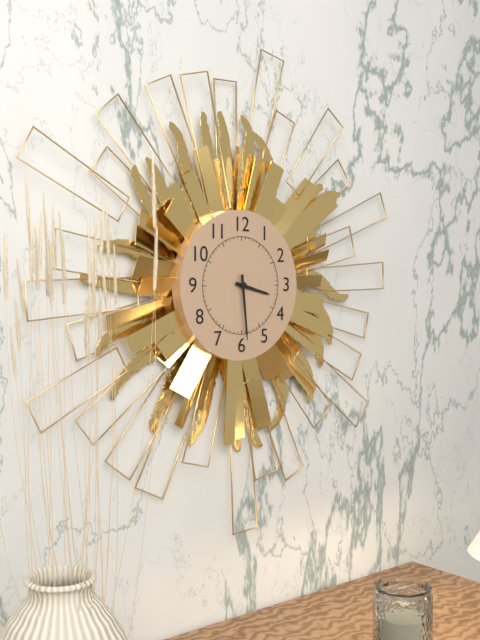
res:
3:29
